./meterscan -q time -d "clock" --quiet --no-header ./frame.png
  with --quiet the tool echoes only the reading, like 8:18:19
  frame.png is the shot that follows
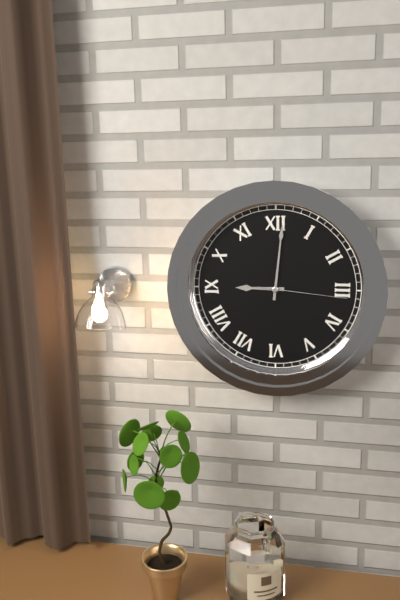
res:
9:01:16
